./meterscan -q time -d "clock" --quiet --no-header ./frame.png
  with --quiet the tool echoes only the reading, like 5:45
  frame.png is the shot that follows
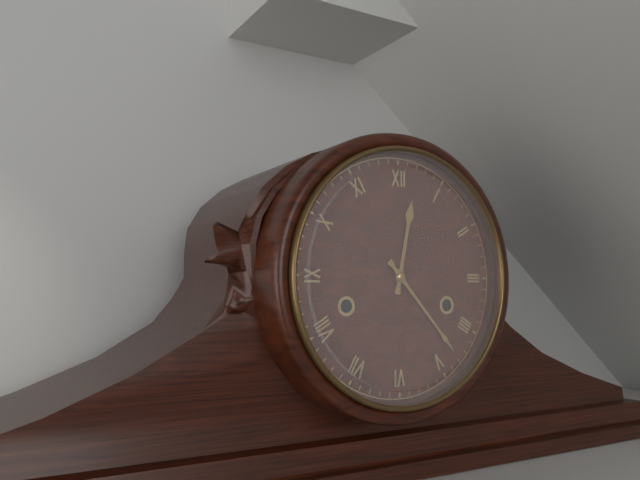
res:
12:23
